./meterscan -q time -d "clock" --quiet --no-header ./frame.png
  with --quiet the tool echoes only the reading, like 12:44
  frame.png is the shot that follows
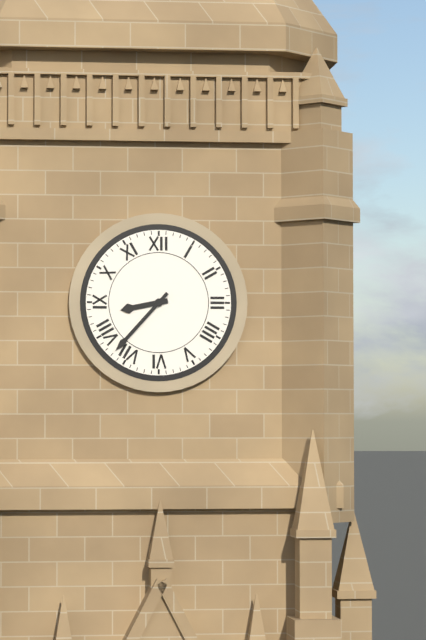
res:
8:37
